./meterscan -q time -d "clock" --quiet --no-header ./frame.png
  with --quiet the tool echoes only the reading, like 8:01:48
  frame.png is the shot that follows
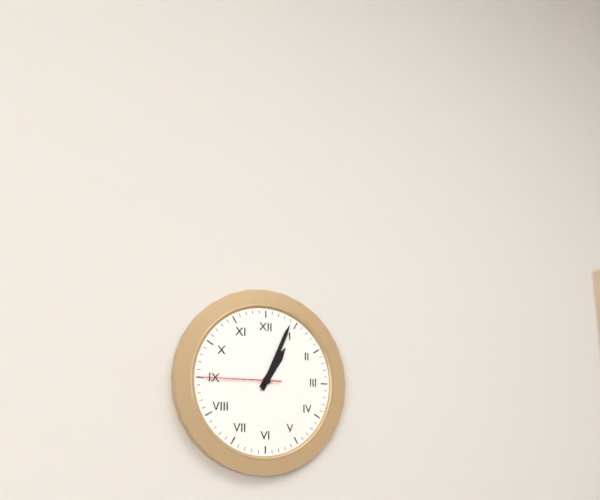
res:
1:04:45
